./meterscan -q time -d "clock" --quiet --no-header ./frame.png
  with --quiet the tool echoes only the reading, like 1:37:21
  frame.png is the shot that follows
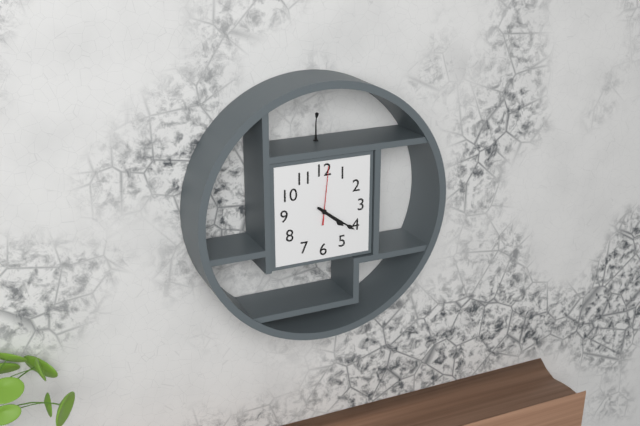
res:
4:21:01
